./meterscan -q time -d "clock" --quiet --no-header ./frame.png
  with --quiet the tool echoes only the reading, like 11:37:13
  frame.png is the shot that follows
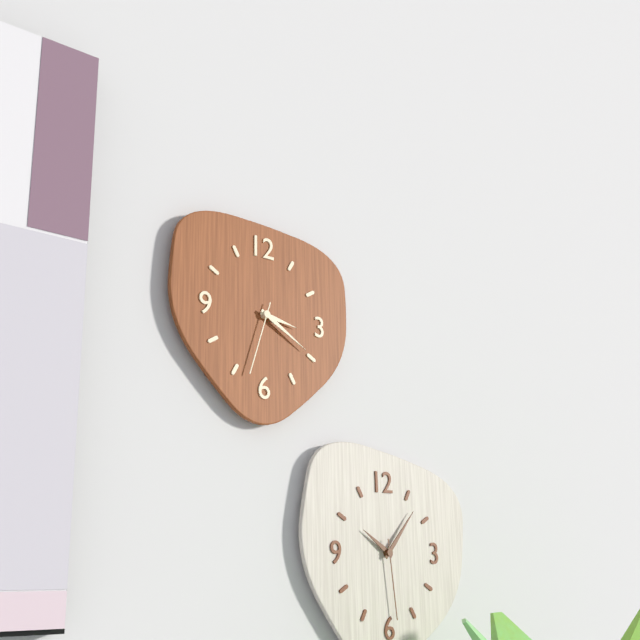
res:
3:20:33
